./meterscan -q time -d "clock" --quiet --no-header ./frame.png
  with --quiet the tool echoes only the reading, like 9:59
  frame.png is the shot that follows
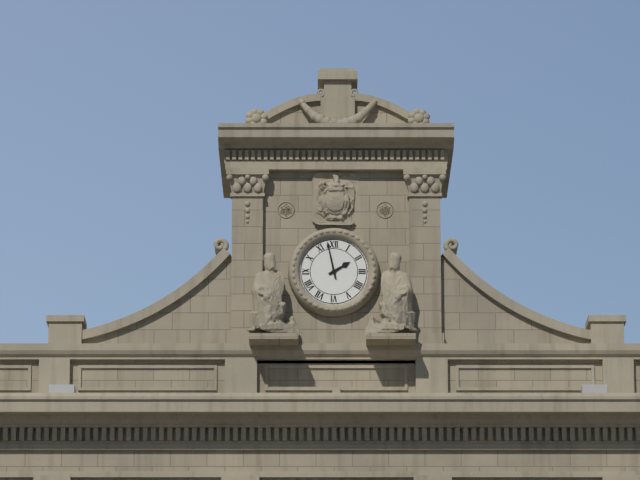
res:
1:58
